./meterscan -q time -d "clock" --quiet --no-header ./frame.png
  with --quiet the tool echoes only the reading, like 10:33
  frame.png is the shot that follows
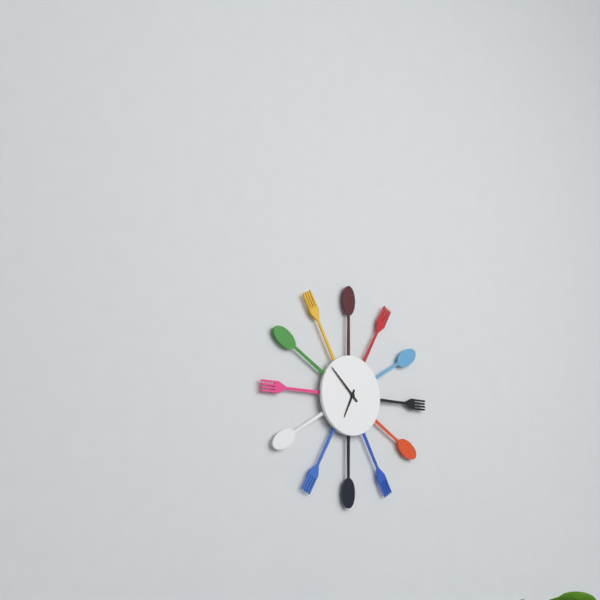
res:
6:52
